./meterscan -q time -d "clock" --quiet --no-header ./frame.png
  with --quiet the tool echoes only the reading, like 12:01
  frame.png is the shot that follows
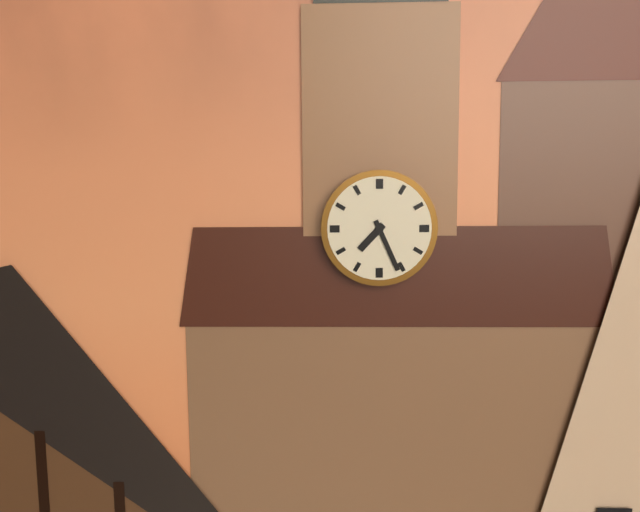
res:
7:26
